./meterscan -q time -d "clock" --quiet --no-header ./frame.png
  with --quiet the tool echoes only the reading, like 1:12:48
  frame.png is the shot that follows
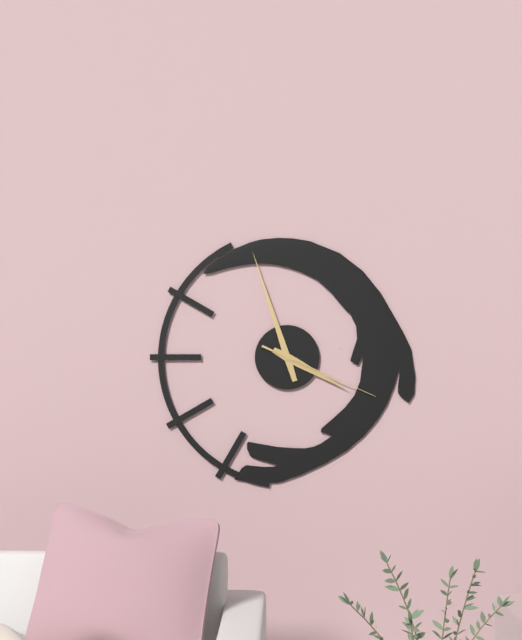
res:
3:57:19
